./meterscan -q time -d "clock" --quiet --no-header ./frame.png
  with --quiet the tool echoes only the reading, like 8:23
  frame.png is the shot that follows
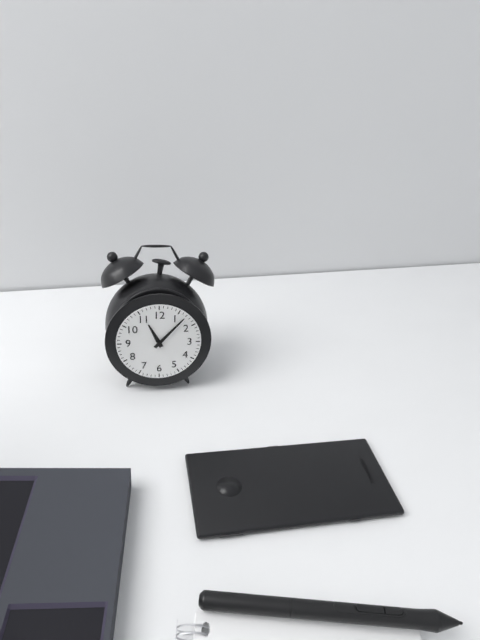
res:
11:07
